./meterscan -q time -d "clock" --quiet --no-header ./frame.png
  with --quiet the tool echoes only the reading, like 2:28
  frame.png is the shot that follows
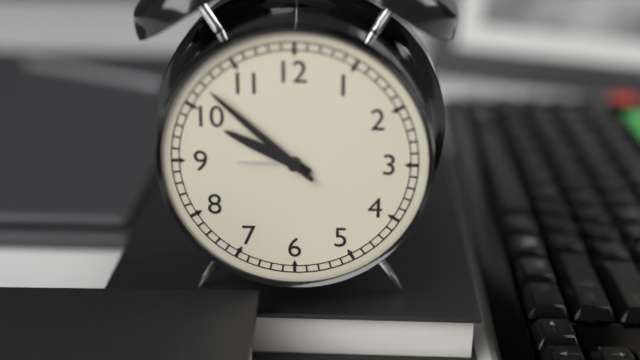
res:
9:52
